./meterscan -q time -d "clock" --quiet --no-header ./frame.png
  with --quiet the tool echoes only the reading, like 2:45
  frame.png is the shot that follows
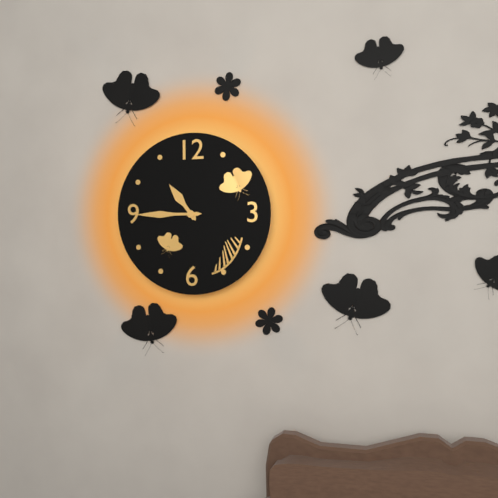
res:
10:45
